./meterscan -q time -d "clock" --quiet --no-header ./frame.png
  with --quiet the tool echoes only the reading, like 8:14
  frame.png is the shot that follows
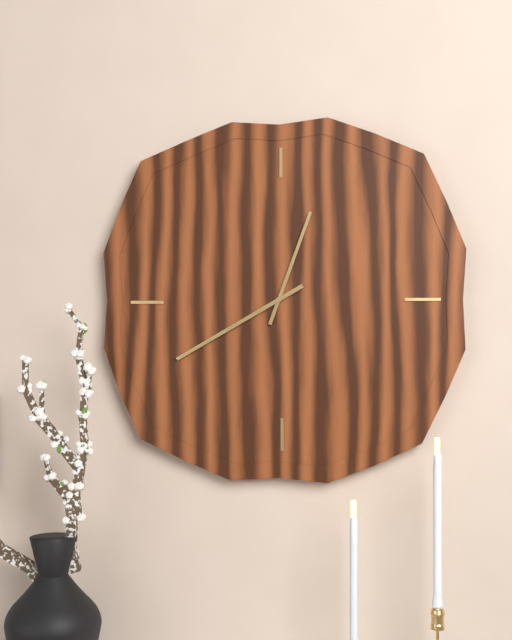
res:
12:40
